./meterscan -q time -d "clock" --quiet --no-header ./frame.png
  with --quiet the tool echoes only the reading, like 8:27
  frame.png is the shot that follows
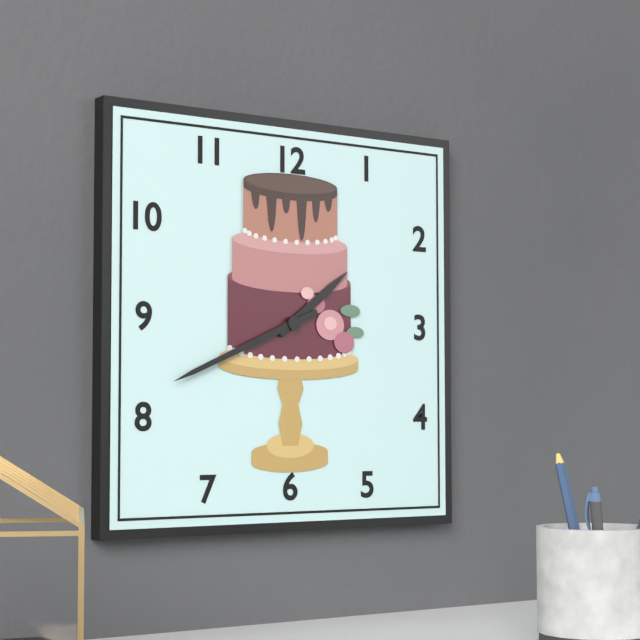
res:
1:41
